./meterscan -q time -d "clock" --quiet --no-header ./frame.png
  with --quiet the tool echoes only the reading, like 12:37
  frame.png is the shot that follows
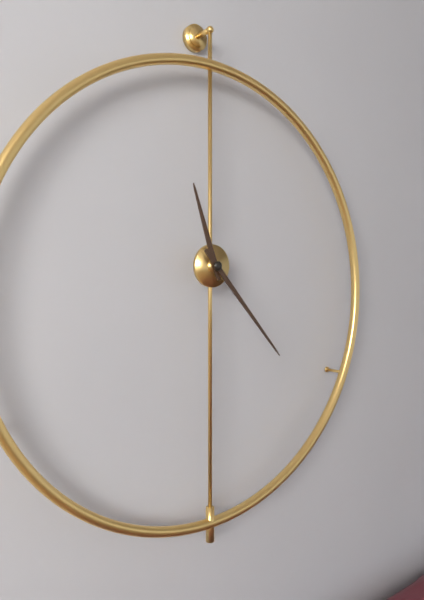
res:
11:23
